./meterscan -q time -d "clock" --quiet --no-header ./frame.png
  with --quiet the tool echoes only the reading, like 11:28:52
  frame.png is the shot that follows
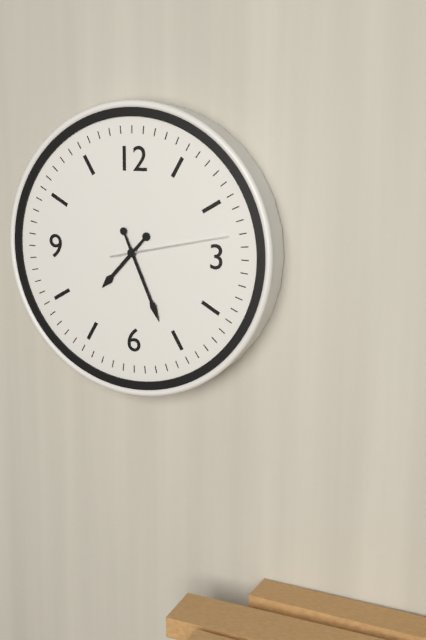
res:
7:26:13
